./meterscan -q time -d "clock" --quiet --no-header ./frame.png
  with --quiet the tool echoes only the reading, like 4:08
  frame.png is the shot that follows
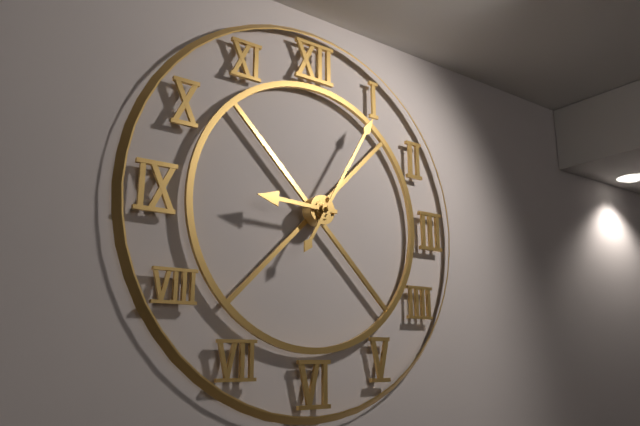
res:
9:05
